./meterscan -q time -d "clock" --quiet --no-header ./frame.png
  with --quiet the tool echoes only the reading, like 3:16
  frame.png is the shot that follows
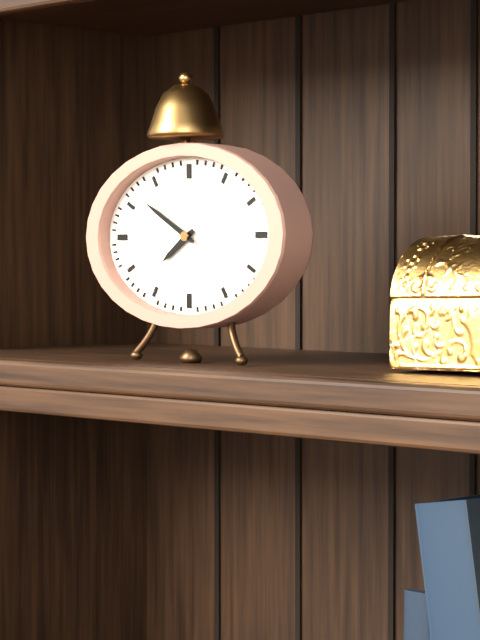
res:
7:50
